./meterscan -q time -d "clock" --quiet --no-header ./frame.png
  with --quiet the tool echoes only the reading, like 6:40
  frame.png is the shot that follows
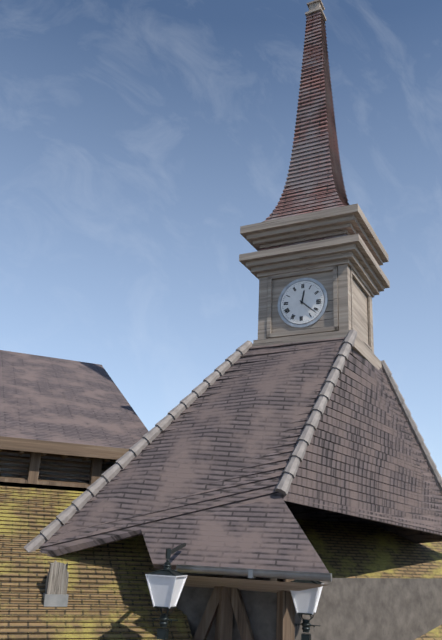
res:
12:22
